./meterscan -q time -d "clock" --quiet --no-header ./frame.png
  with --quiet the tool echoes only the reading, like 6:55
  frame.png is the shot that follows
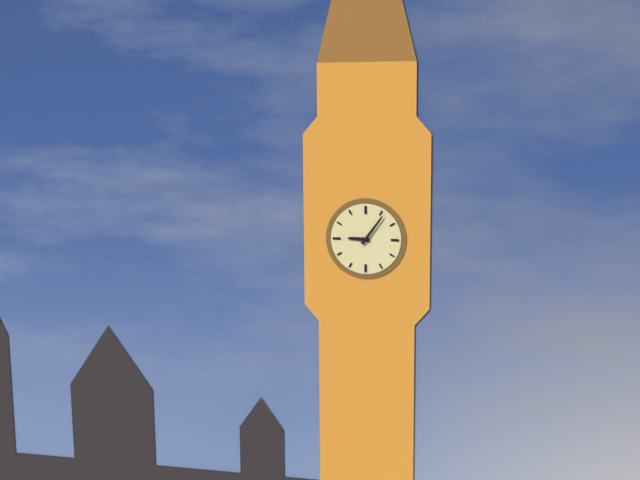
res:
9:06
